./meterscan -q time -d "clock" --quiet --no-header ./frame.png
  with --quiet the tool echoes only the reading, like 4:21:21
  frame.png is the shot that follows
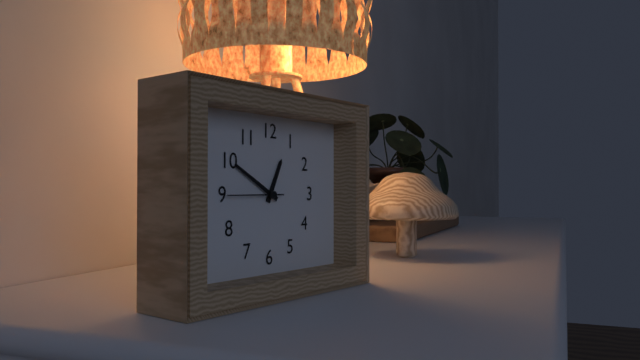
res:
12:50:45
